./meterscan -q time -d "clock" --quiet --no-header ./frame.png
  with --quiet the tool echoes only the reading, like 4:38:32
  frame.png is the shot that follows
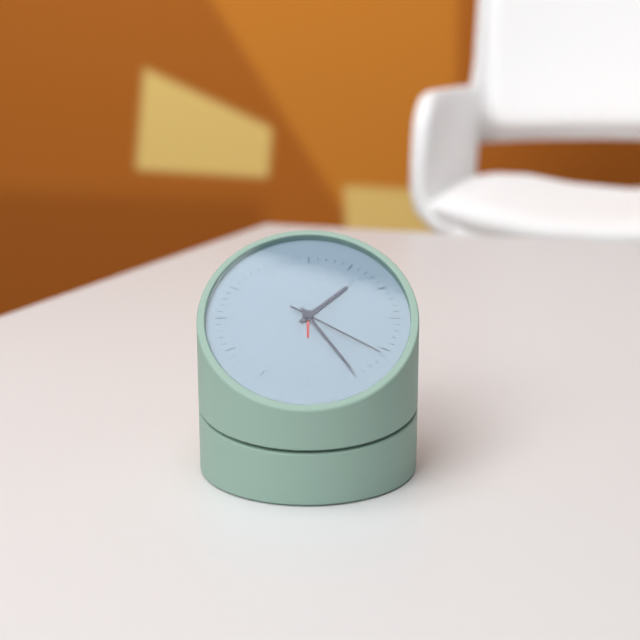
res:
1:25:21
